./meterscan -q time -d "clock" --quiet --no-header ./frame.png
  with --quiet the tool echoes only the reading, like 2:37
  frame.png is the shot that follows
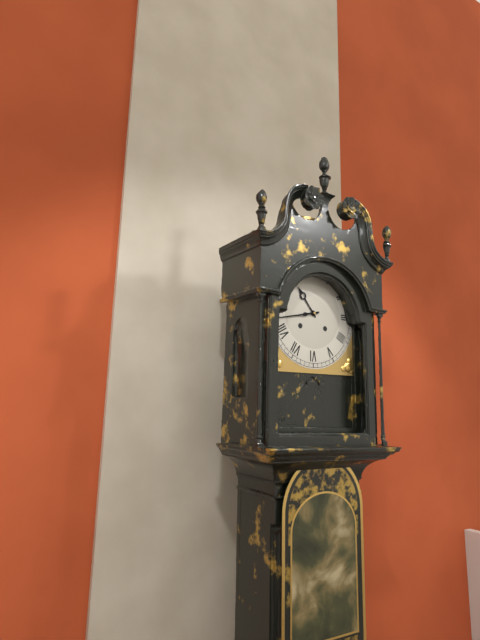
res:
10:43
